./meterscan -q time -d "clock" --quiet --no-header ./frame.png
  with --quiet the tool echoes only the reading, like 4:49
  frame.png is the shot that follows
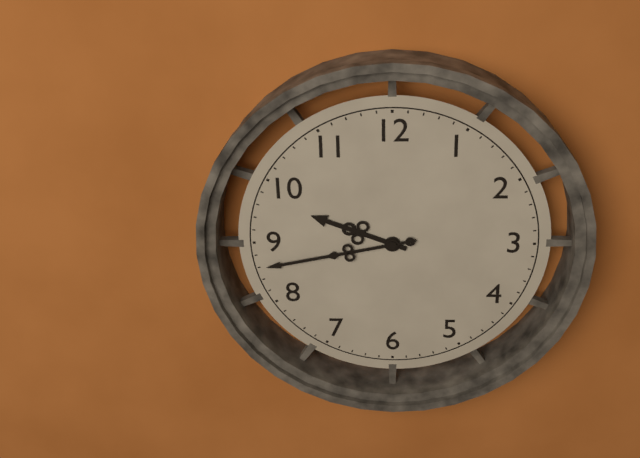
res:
9:43
